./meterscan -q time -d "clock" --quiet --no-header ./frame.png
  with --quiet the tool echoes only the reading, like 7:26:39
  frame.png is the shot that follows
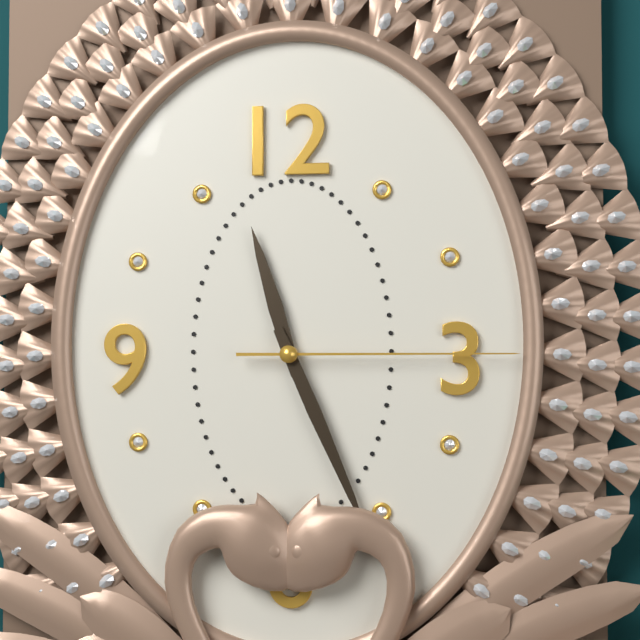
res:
11:26:15
